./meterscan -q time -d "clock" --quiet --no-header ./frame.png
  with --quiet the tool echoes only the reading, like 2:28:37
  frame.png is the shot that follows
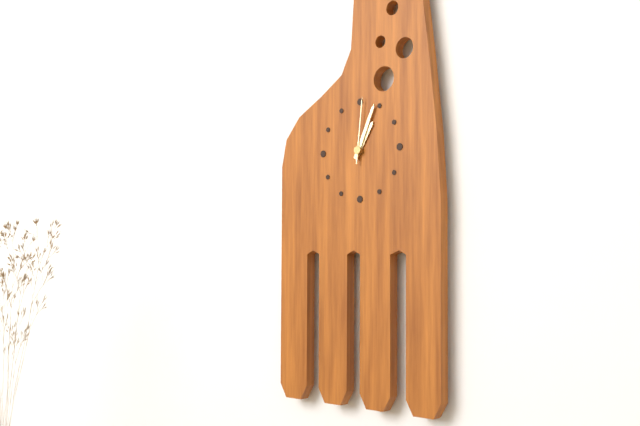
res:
1:04:01
